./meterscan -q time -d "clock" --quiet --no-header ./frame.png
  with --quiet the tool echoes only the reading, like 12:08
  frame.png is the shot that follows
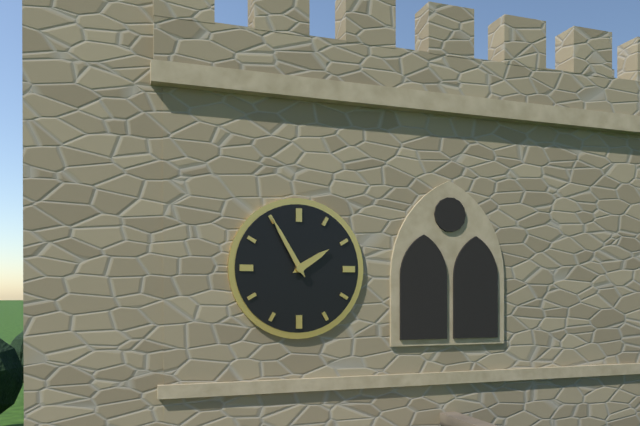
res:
1:55
